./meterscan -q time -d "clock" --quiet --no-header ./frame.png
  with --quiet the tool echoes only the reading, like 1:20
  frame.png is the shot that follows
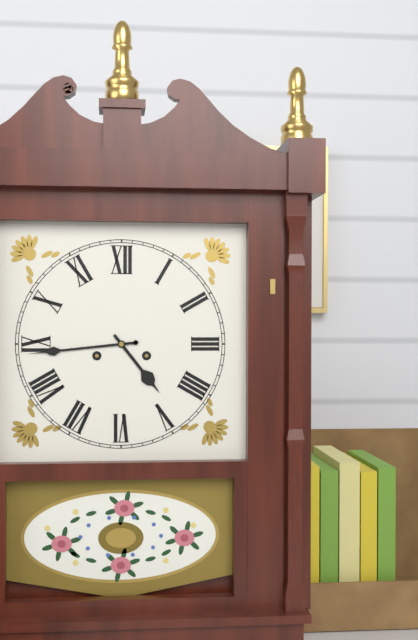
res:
4:44
